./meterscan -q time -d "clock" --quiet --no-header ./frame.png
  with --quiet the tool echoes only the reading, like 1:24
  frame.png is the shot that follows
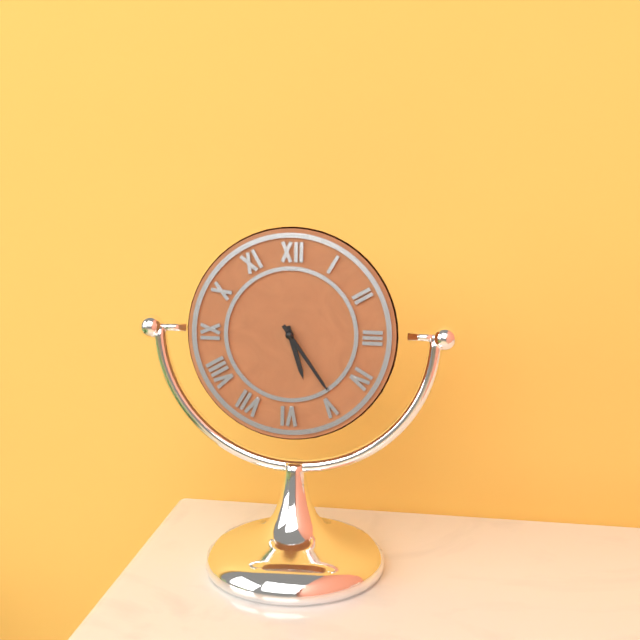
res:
5:24
